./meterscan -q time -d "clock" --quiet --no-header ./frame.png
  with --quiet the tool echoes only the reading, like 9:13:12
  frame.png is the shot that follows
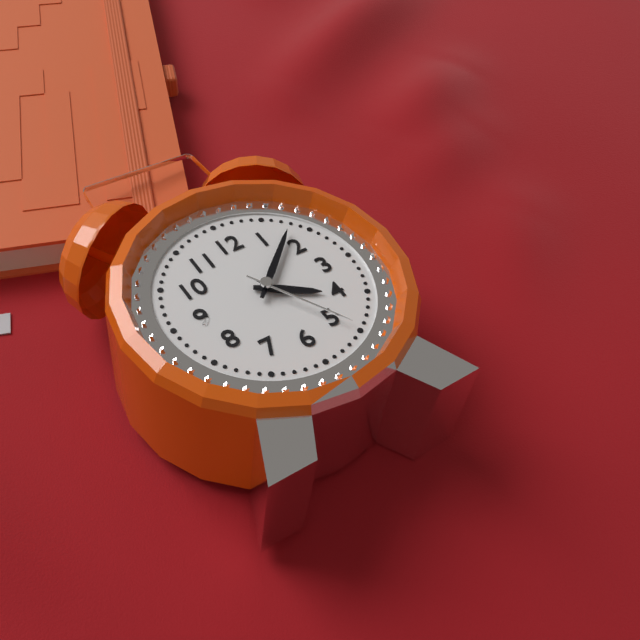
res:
4:08:25
